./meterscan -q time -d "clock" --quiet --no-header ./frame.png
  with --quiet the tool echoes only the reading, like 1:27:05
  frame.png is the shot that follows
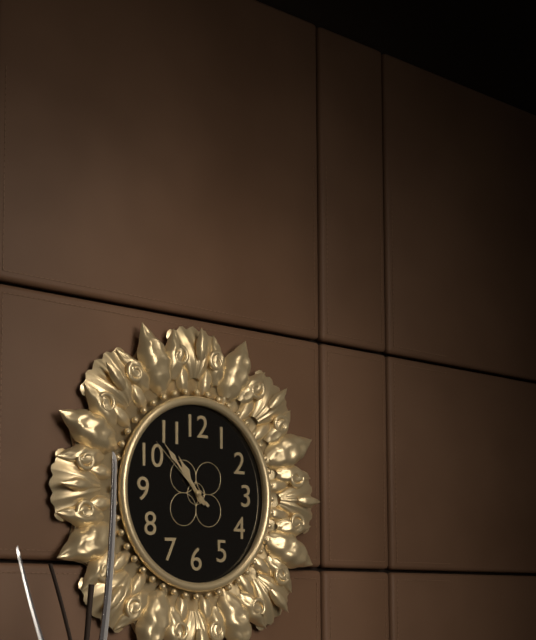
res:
10:53:52
